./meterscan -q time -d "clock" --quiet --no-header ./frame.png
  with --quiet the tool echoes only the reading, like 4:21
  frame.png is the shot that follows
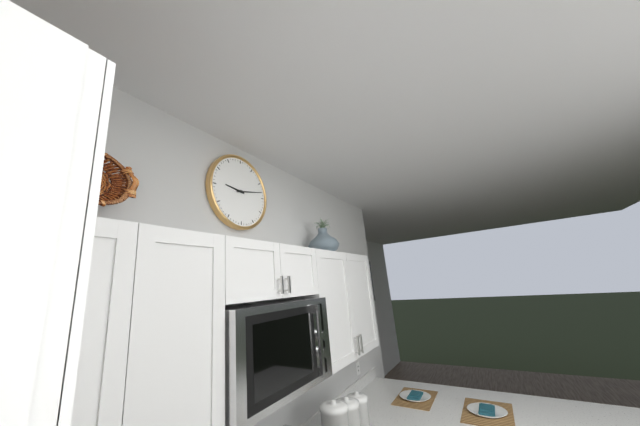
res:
9:13
